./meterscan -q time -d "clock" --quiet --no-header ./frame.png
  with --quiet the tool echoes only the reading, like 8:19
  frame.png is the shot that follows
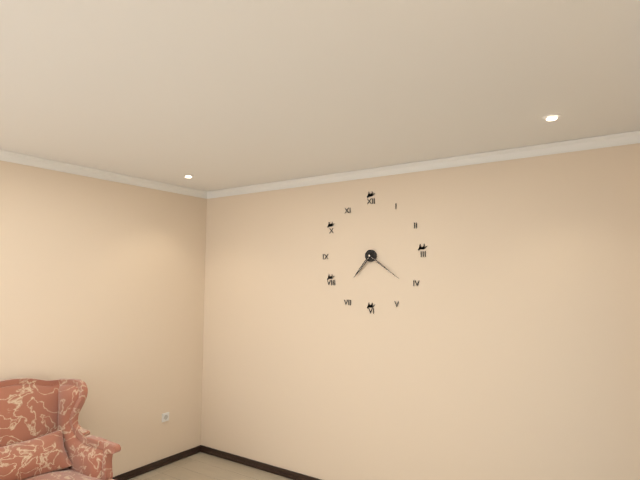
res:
7:21
